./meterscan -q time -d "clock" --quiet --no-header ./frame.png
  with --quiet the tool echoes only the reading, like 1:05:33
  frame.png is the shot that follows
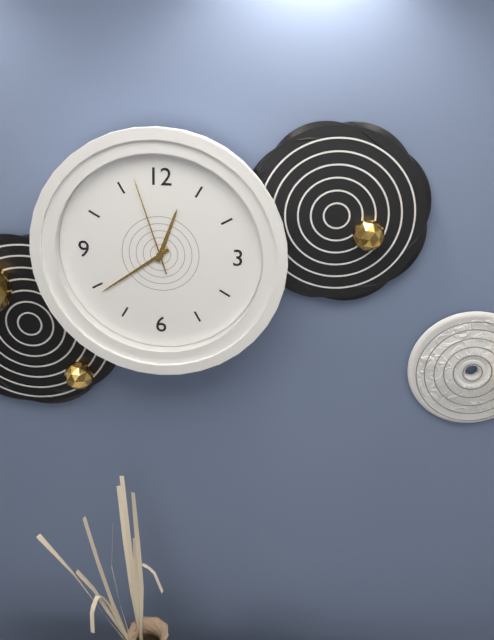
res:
12:39:57
